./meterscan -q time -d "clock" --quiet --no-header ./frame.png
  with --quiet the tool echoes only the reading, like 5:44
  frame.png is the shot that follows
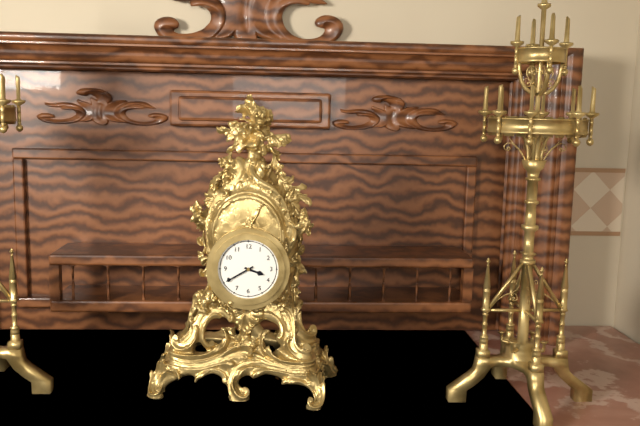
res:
3:40
